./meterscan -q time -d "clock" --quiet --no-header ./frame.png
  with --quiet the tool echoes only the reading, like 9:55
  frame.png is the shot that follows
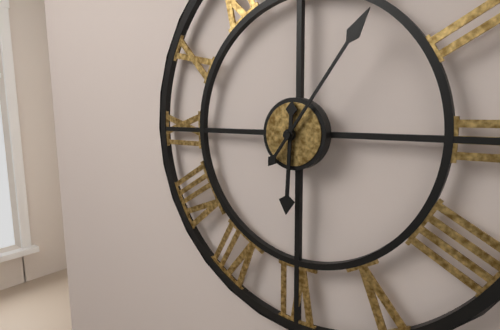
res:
6:06
